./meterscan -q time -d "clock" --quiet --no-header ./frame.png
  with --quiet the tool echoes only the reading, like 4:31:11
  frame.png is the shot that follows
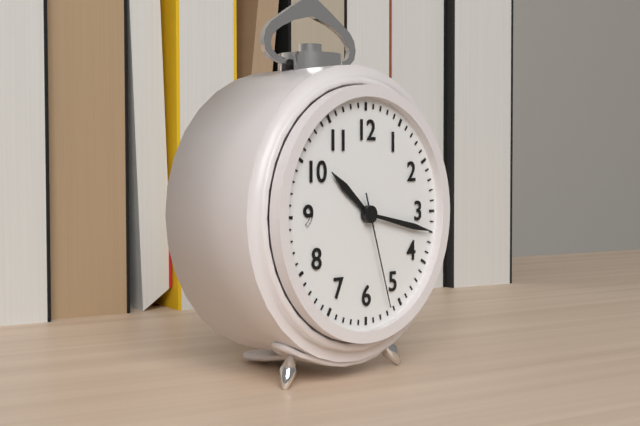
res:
10:17:27
